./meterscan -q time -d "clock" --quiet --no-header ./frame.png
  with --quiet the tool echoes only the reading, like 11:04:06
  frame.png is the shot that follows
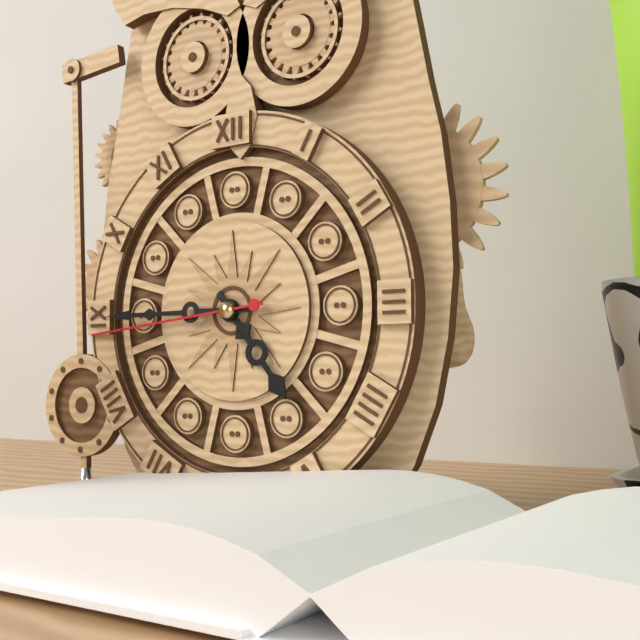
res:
4:45:44
